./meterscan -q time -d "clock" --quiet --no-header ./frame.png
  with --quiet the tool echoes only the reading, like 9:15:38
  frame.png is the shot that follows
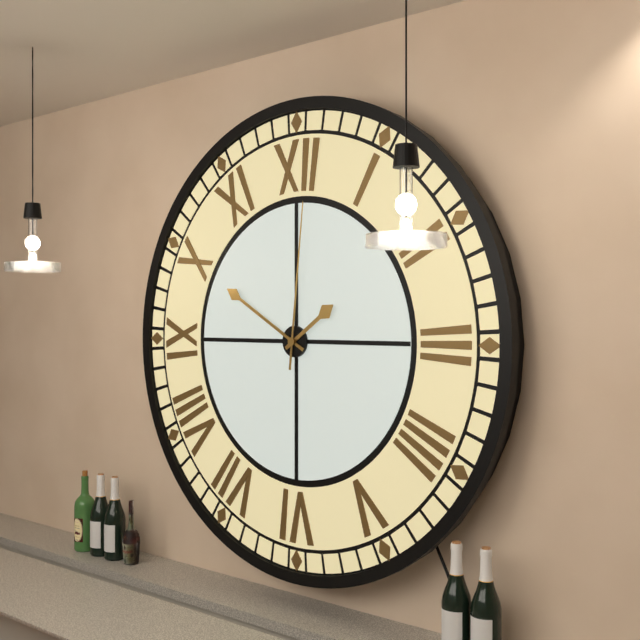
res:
1:50:01
